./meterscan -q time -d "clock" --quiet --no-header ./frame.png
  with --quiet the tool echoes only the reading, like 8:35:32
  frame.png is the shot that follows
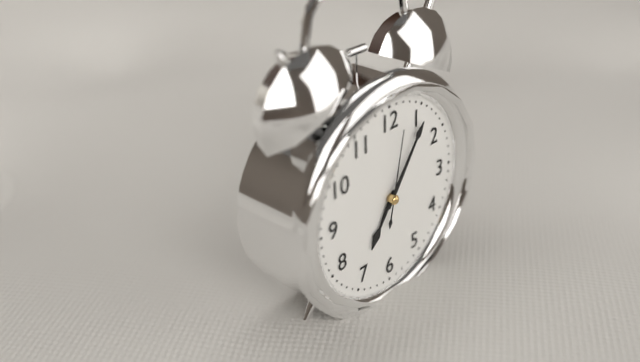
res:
7:06:02
